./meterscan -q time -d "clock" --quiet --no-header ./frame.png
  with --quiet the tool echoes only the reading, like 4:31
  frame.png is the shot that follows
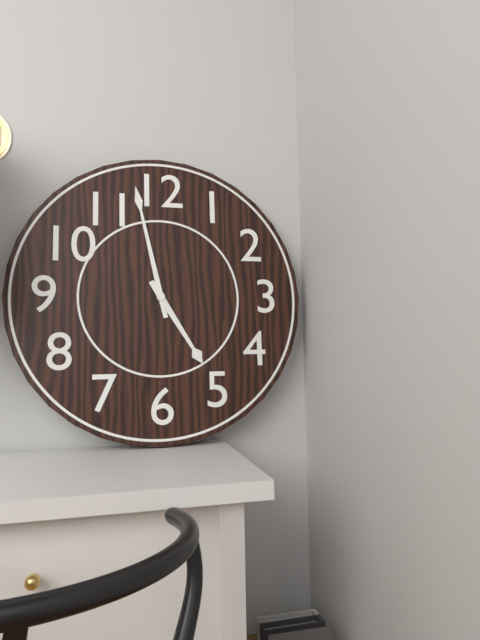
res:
4:58
